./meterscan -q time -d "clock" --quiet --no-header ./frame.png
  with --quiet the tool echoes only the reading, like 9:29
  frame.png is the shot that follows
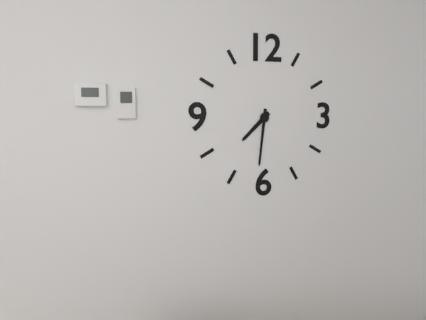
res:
7:31
